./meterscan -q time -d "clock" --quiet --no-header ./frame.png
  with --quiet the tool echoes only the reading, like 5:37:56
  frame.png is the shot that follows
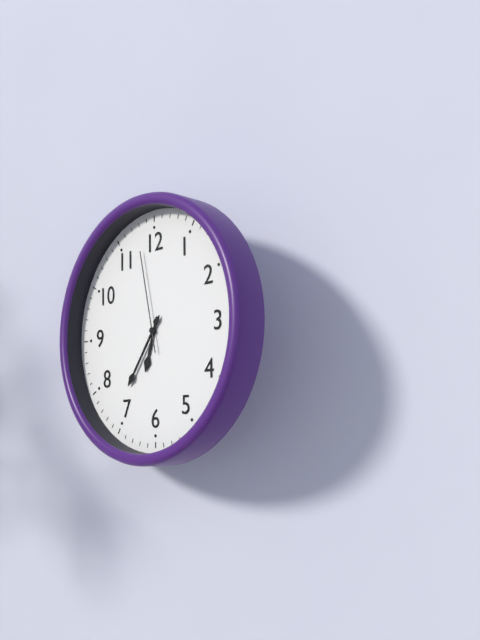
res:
6:36:58
